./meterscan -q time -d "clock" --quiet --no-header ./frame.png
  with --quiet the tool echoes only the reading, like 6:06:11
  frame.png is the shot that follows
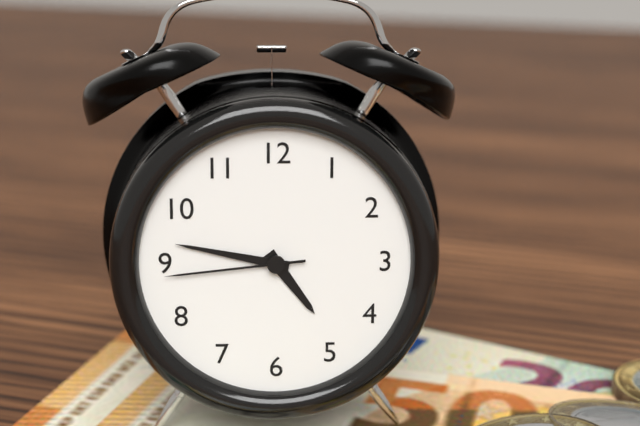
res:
4:47:44
